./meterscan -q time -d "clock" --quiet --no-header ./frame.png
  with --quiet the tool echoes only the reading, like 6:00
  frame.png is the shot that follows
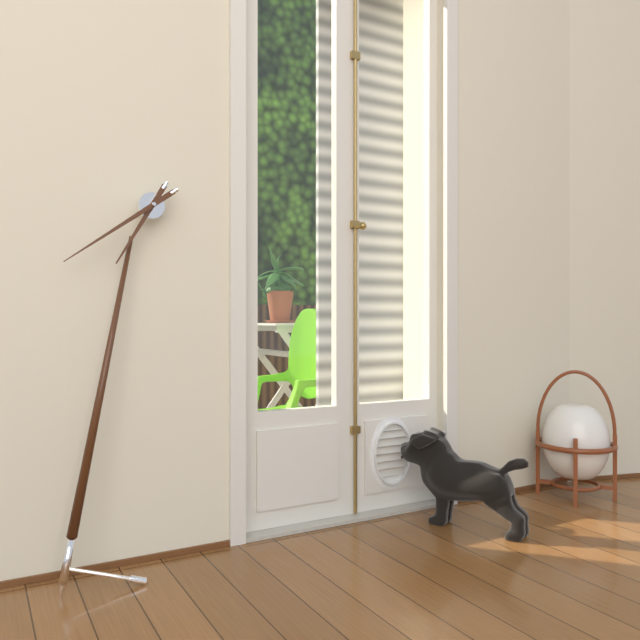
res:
6:37
